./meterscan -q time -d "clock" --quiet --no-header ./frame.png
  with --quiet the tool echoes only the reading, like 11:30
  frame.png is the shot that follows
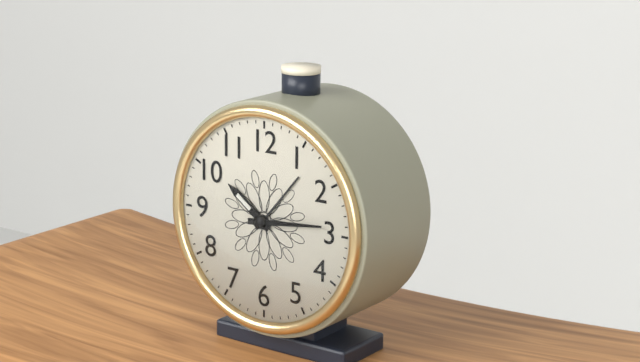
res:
10:14
